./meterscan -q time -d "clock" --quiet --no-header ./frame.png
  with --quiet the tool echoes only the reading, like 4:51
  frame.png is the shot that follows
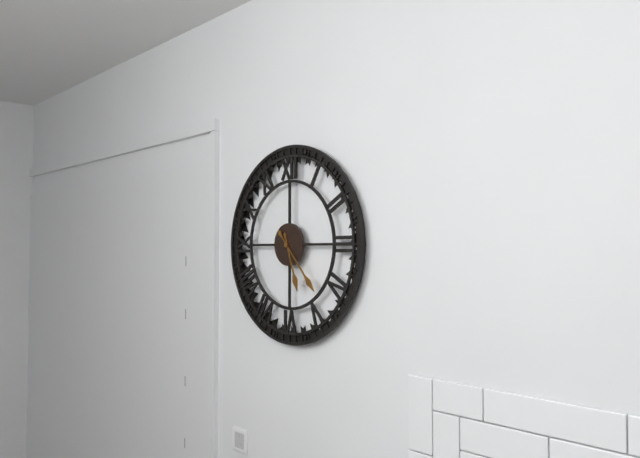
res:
5:23
